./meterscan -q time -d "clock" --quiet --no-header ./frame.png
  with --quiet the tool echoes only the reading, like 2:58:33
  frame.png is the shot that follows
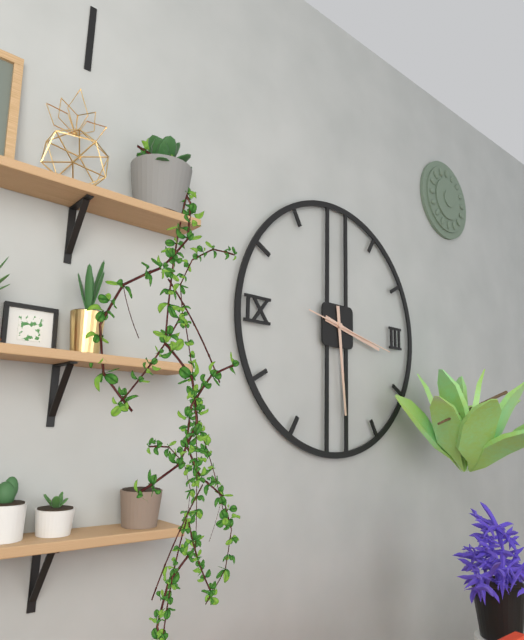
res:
3:29:17
